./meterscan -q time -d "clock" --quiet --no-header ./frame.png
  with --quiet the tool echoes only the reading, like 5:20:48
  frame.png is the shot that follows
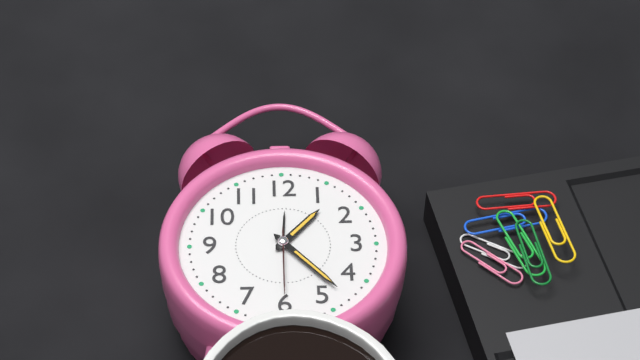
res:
1:23:30
